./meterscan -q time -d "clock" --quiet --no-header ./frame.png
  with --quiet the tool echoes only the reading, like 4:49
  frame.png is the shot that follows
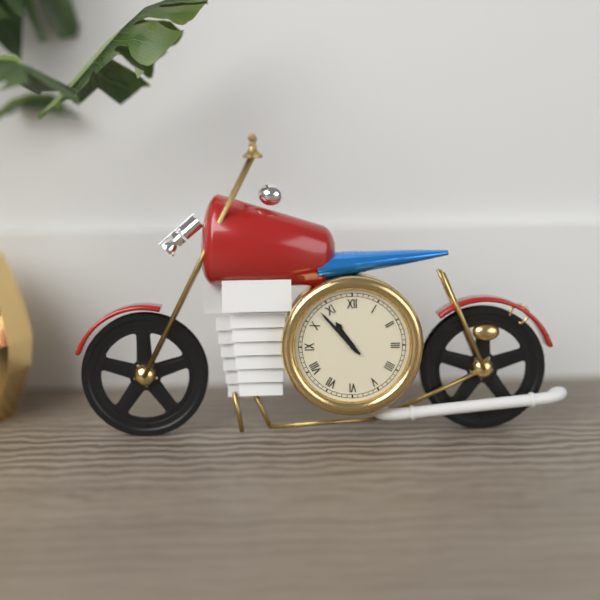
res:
10:53
